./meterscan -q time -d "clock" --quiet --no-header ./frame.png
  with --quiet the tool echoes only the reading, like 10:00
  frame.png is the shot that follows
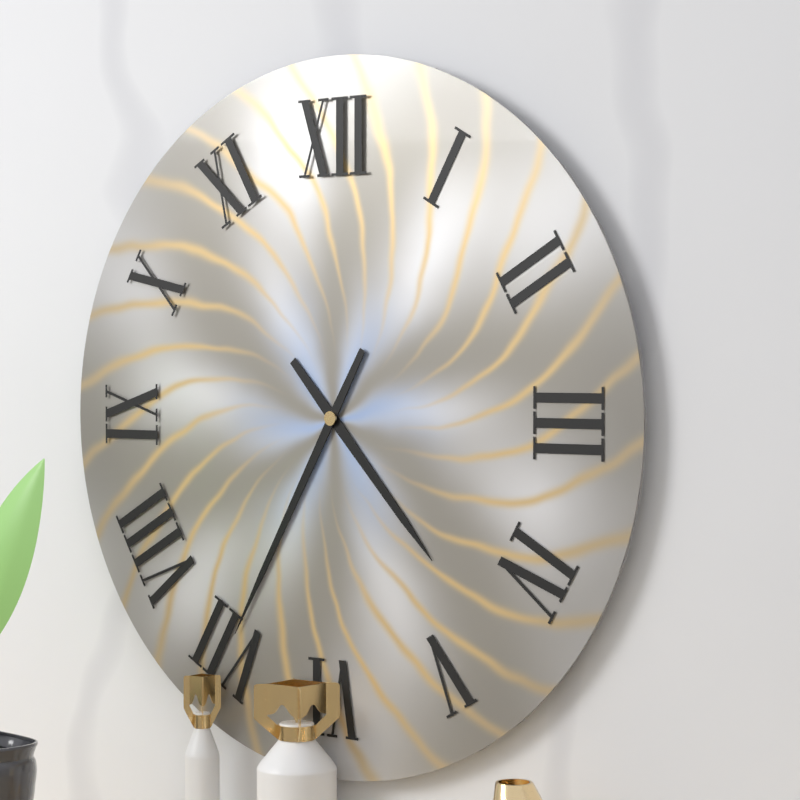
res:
4:35
